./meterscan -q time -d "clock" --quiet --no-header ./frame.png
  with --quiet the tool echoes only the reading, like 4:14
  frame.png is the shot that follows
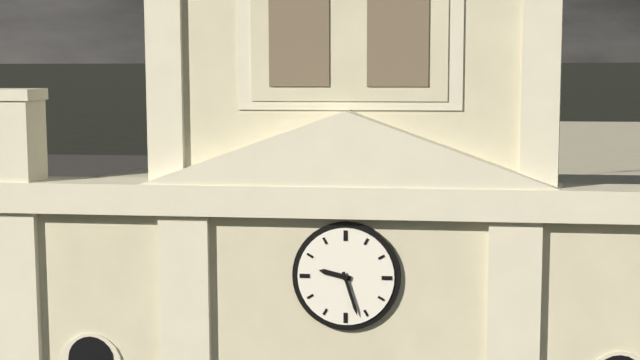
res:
9:27
